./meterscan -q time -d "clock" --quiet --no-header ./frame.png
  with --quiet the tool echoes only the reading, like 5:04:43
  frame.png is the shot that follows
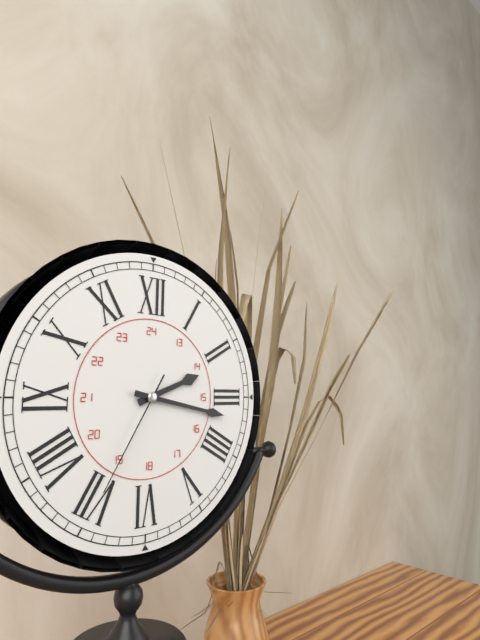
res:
2:17:35
